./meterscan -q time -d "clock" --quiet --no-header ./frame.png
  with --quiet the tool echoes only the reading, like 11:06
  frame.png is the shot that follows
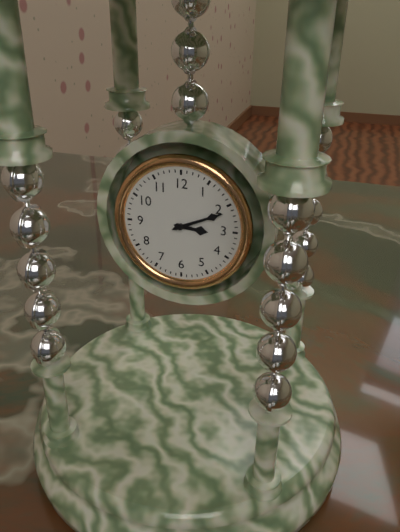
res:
3:11
